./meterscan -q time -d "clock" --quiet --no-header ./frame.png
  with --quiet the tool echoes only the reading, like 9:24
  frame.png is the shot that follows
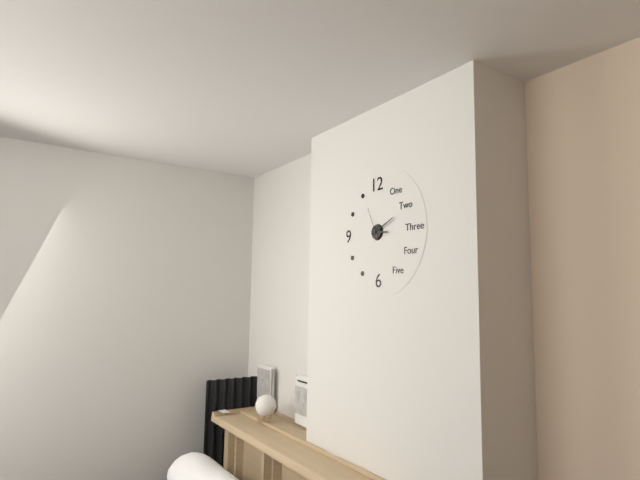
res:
3:11
